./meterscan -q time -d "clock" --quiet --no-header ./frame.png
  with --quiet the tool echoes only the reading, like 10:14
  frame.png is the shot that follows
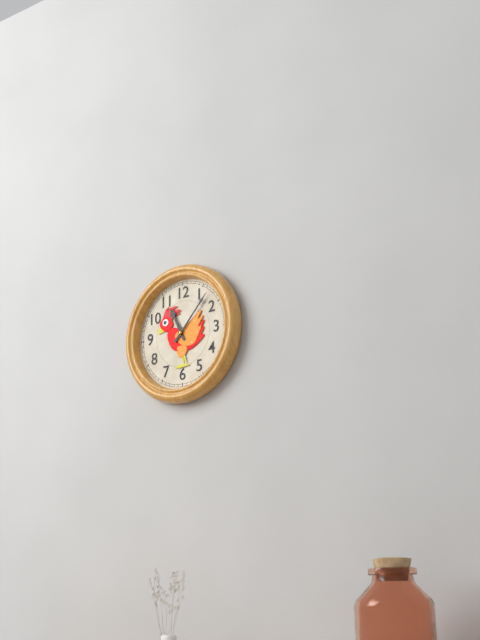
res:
11:07
